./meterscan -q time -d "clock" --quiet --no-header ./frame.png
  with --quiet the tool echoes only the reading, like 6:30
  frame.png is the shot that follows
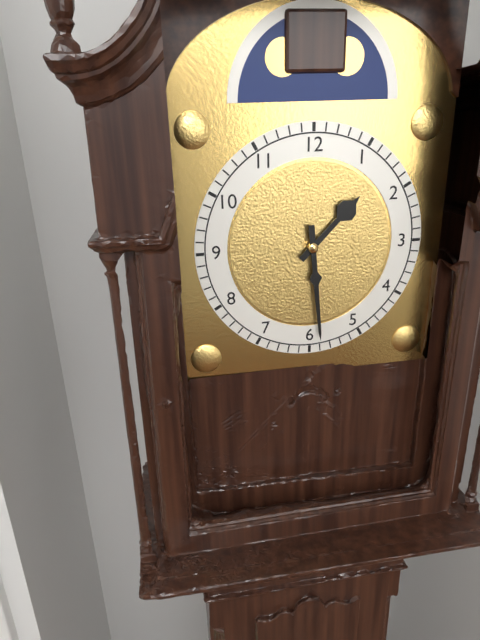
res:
1:29
